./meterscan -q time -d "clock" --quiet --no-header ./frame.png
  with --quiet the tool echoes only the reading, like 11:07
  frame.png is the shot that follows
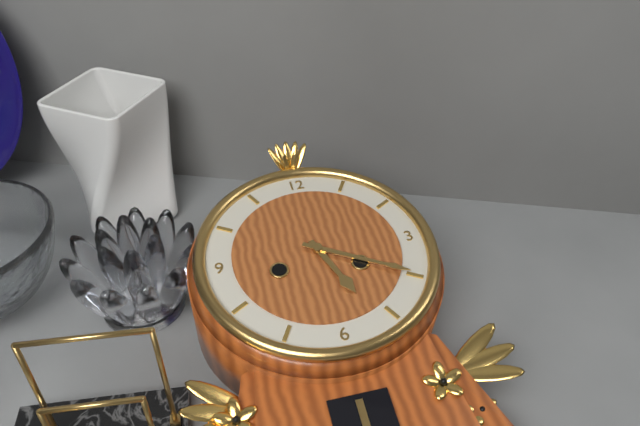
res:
5:20
